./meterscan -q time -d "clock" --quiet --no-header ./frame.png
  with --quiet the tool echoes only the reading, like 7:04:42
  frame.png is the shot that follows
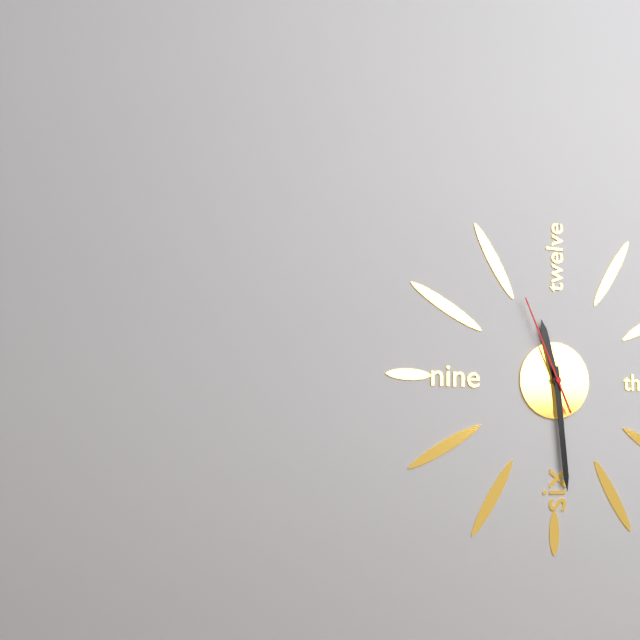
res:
11:29:56
